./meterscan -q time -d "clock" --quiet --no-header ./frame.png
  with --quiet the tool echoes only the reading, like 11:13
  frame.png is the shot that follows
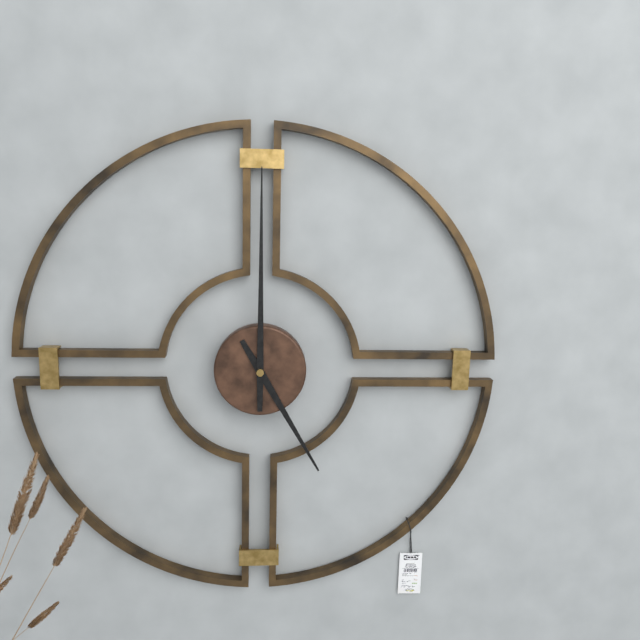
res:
5:00
